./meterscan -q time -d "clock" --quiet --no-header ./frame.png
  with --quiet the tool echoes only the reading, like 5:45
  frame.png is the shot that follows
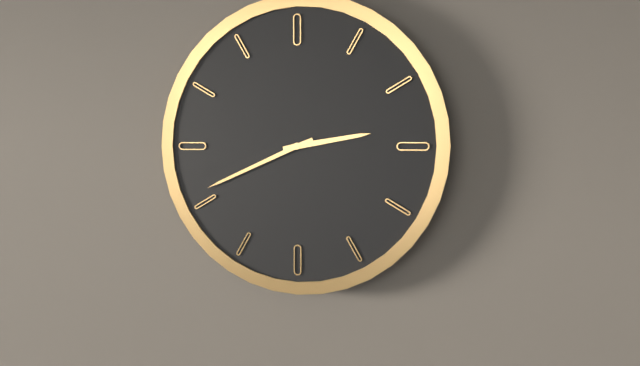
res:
2:41
